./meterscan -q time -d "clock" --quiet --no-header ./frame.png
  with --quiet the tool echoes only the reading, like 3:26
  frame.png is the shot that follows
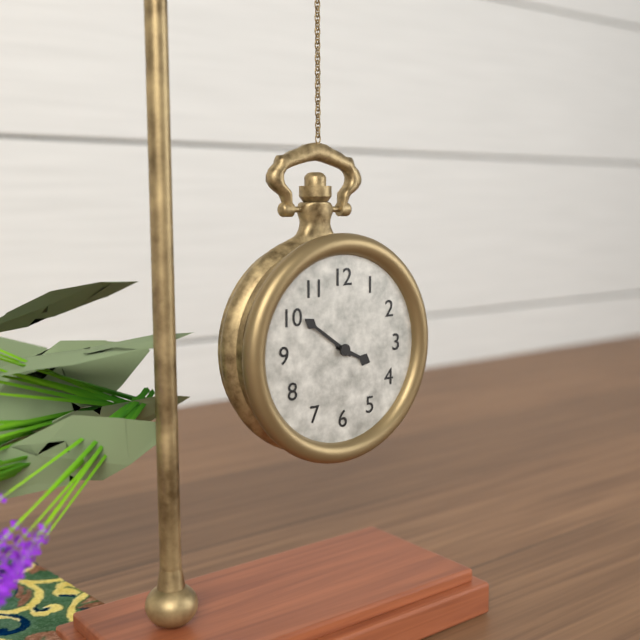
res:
3:51
